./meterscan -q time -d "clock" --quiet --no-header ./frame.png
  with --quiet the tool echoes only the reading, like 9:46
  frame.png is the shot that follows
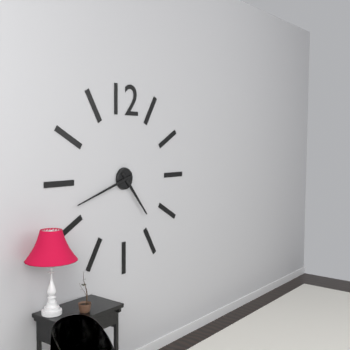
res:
4:42
